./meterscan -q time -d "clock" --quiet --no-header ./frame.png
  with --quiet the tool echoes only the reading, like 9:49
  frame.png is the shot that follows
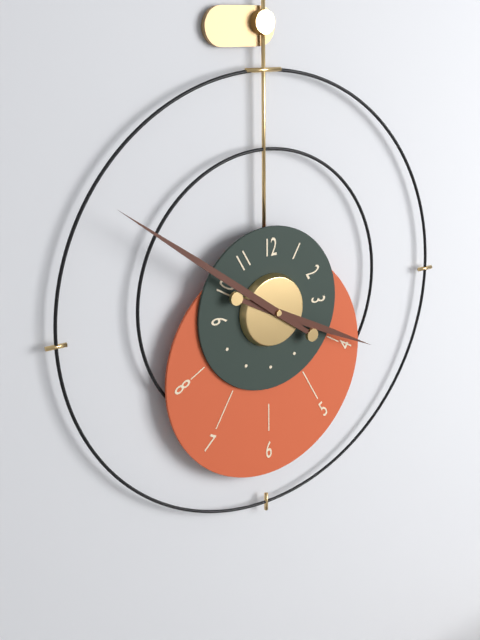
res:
3:51
